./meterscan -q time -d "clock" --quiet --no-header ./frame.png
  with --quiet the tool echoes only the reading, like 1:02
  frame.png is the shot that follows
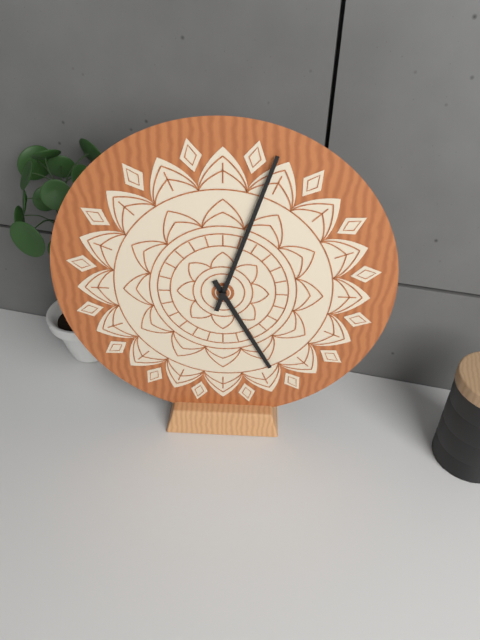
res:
5:03
